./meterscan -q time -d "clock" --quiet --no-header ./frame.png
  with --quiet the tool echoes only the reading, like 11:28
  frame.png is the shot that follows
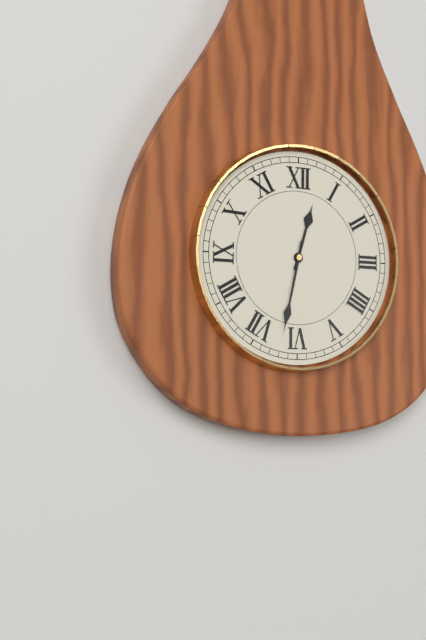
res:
12:32
